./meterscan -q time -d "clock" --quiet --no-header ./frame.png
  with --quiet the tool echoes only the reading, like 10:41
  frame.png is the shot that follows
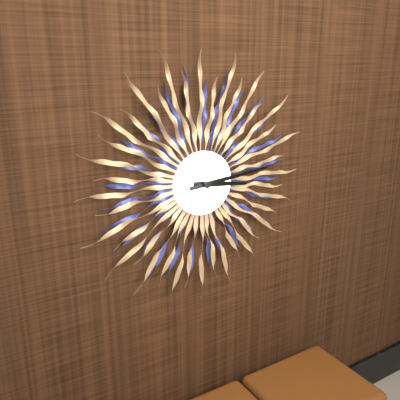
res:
3:14
